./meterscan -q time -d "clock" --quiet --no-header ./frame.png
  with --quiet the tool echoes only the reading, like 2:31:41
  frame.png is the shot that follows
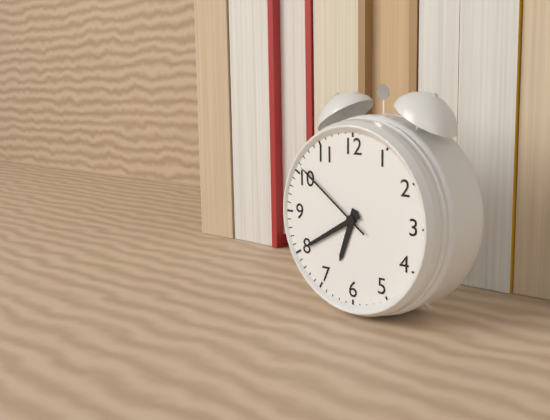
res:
6:40:51
